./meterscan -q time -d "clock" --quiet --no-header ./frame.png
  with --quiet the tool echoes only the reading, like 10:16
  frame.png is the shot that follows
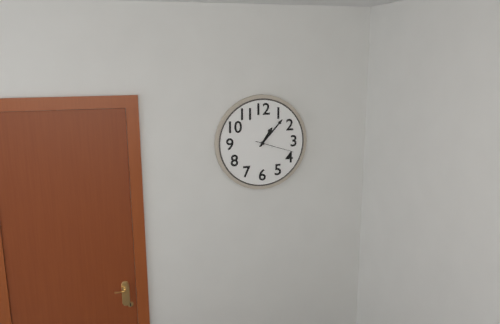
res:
1:07
